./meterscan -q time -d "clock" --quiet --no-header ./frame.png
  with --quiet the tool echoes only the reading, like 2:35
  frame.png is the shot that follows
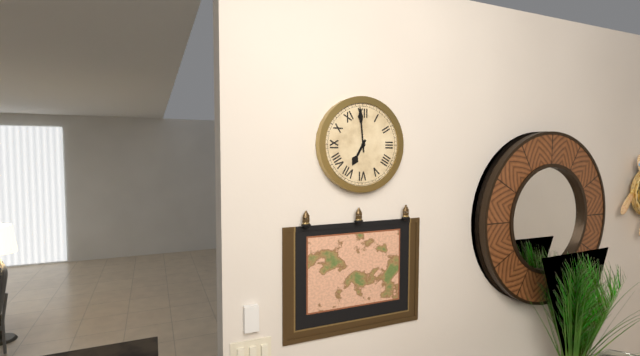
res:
6:59
